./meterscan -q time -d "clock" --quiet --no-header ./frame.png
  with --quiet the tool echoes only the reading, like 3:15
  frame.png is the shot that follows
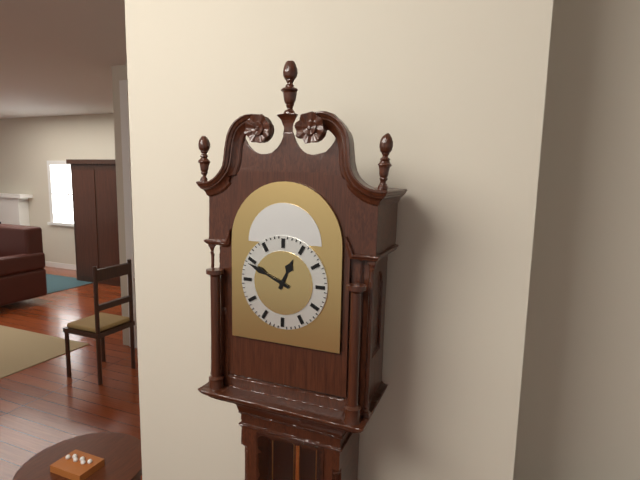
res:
12:49
